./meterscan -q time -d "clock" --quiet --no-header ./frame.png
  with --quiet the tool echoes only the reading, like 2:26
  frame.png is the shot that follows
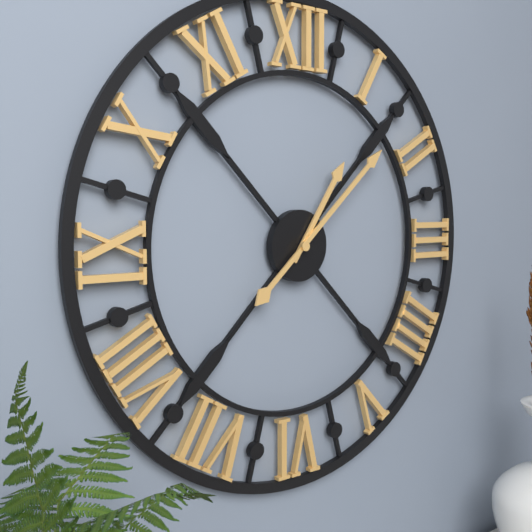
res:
1:08
